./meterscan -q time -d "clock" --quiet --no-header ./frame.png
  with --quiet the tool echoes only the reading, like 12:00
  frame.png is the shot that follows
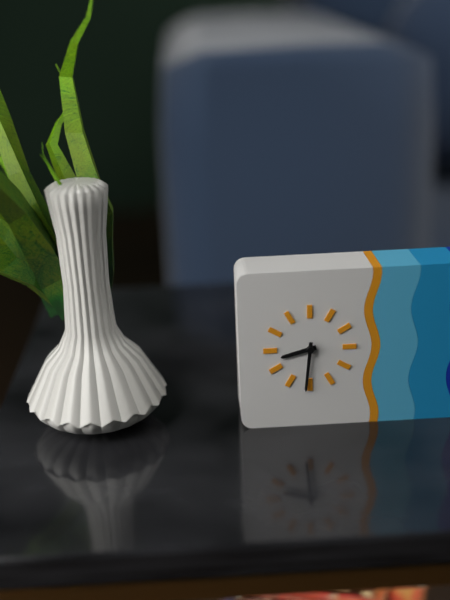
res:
8:31
